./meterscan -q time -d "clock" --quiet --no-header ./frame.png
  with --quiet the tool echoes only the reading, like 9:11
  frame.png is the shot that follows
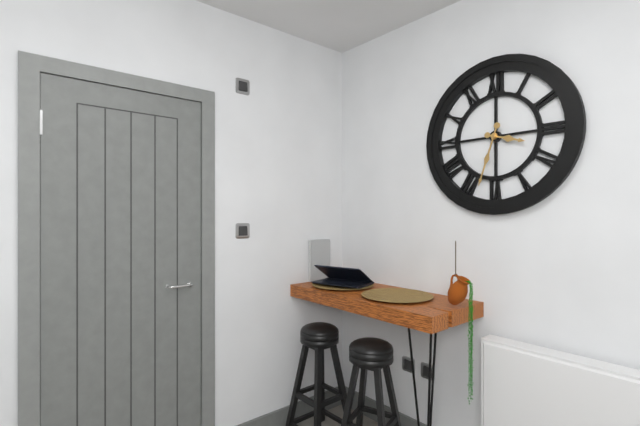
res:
3:33
